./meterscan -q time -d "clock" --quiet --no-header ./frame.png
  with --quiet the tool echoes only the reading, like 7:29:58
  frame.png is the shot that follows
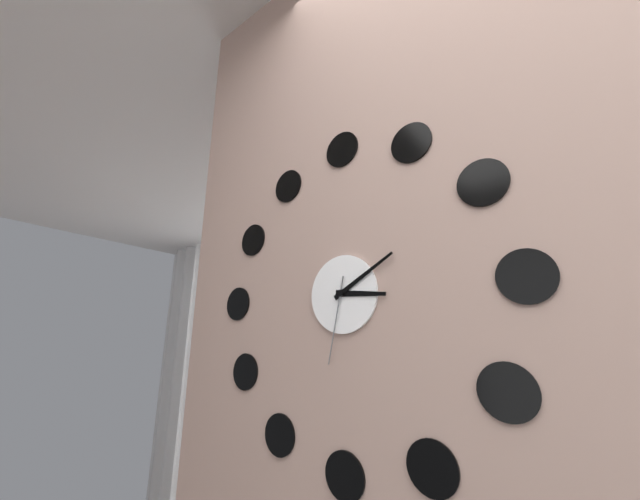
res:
3:10:32
